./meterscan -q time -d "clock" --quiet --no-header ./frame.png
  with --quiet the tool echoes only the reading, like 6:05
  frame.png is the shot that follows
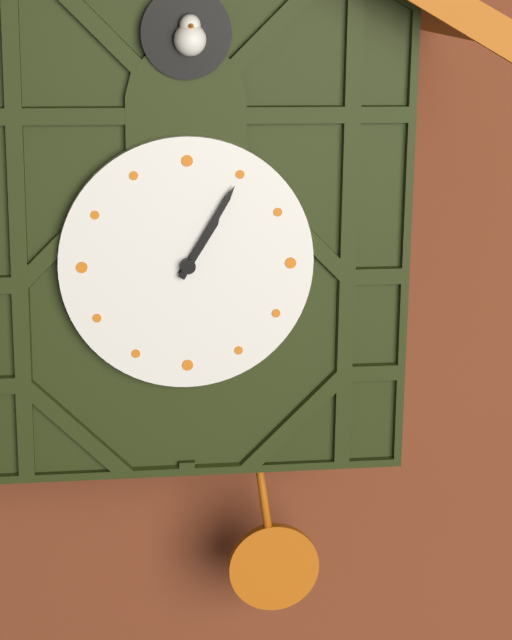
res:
1:05
